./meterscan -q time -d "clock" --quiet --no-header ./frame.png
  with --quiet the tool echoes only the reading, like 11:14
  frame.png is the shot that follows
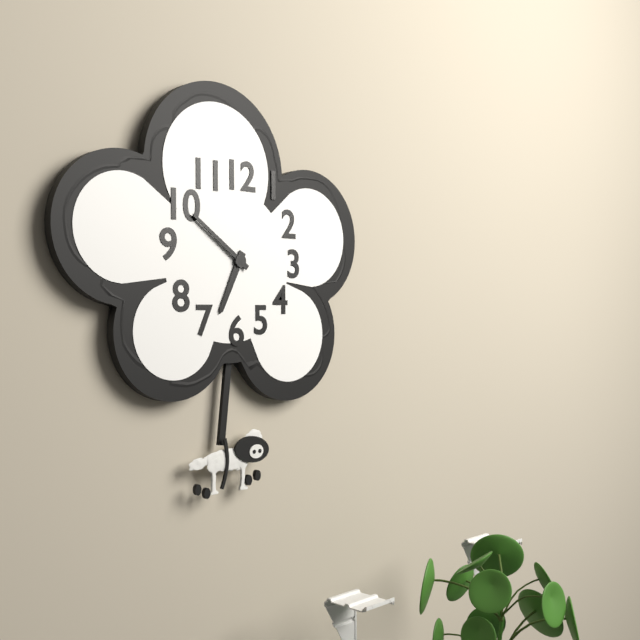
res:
6:51
